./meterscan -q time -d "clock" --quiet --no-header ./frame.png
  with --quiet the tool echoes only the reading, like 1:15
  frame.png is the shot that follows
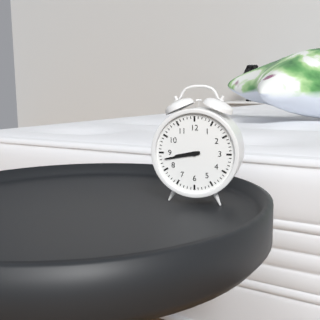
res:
8:43
